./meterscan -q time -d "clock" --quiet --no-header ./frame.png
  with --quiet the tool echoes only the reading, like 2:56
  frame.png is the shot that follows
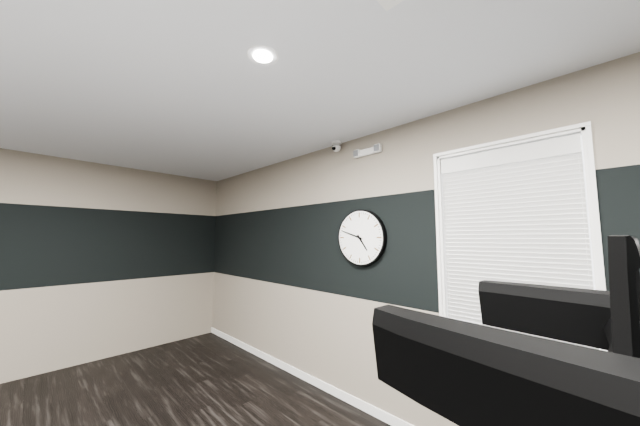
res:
4:48
